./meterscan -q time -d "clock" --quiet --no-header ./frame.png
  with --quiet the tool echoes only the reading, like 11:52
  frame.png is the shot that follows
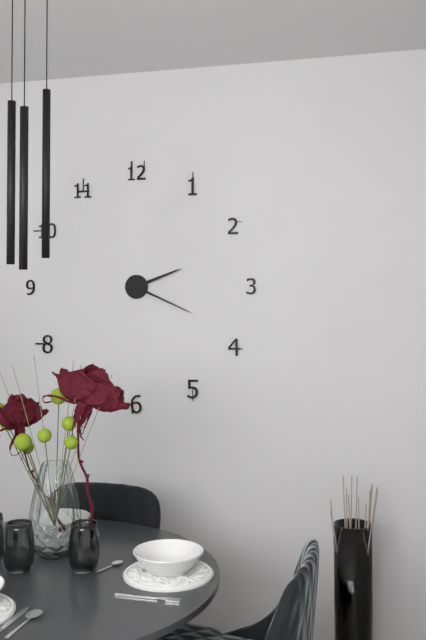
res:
2:19
